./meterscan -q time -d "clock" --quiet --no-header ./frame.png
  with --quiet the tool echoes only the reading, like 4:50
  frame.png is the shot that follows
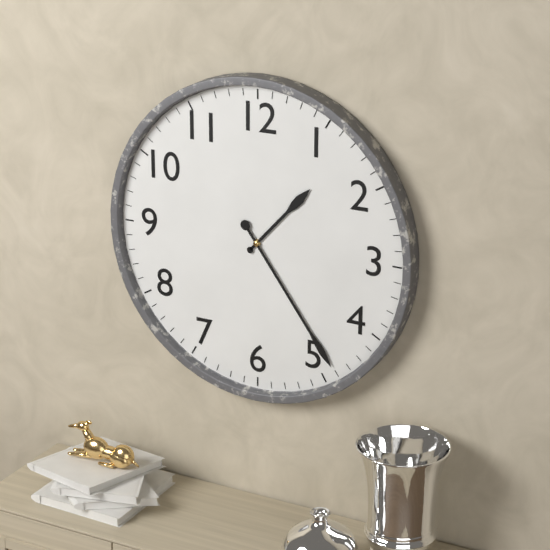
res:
1:24
